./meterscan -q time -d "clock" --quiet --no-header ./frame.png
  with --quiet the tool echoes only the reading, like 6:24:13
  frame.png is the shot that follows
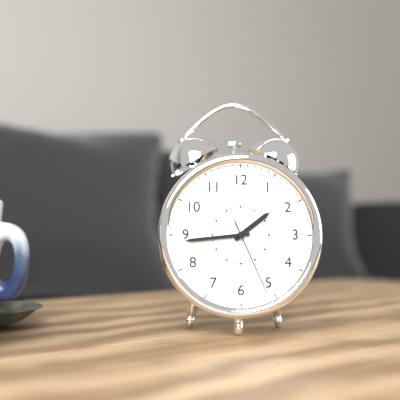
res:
1:44:26
